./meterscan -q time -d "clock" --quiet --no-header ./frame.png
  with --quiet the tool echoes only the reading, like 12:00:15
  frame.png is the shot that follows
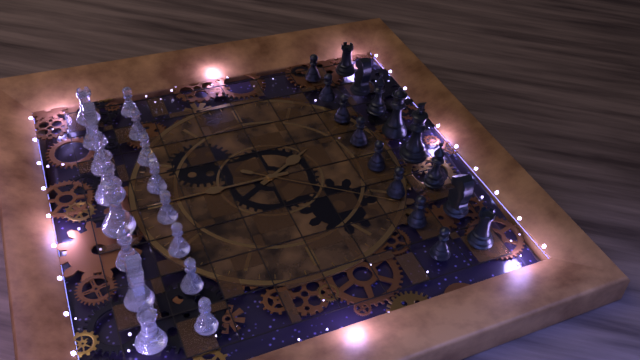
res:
5:00:36
